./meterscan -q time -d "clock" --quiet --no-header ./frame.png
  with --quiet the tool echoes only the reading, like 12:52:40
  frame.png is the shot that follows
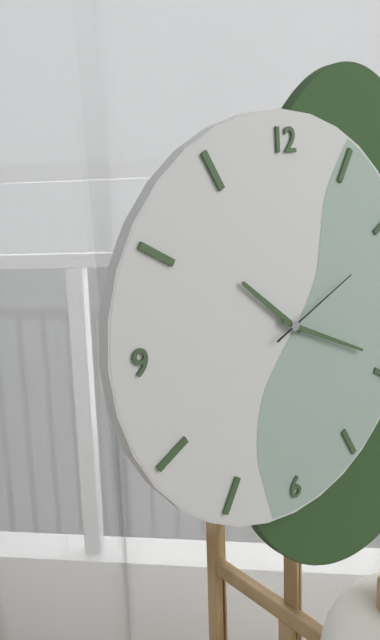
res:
10:19:11
